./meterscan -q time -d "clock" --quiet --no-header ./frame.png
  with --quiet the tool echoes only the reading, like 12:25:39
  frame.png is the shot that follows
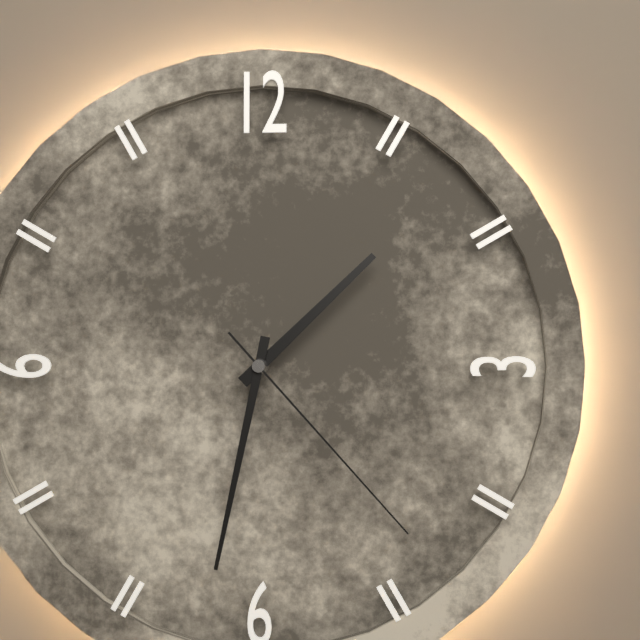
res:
1:32:23
